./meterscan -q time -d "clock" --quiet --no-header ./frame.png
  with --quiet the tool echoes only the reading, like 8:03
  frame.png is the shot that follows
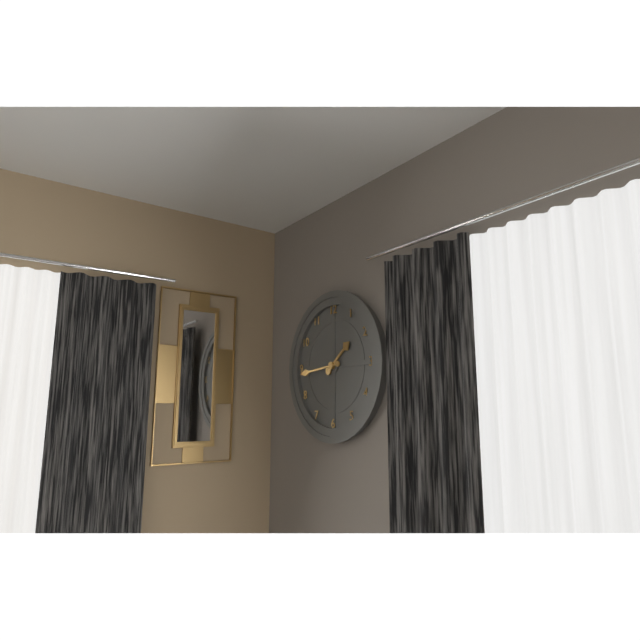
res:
1:44
